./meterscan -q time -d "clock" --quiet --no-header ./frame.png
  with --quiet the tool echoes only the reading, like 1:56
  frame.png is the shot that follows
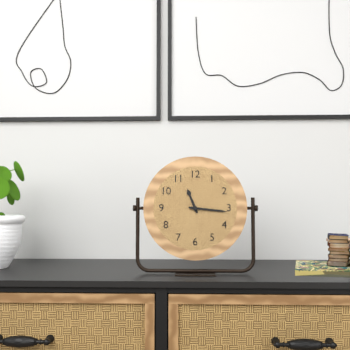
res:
11:16
